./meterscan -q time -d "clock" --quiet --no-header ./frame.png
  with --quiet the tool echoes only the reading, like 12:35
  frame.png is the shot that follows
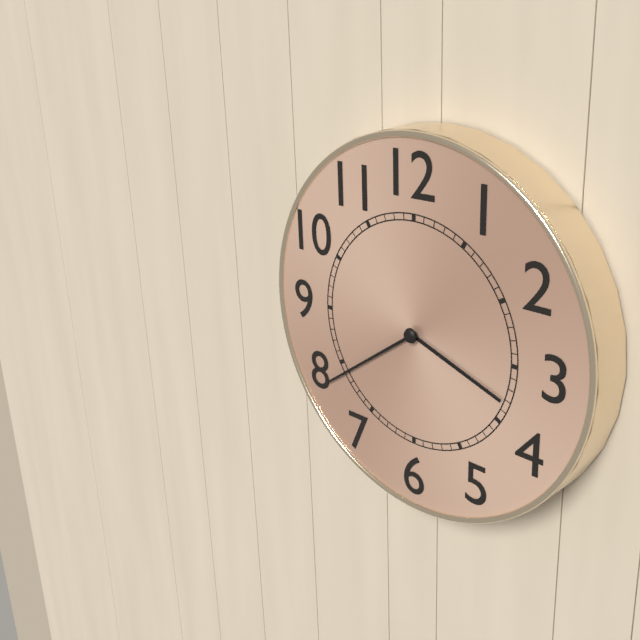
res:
3:39
